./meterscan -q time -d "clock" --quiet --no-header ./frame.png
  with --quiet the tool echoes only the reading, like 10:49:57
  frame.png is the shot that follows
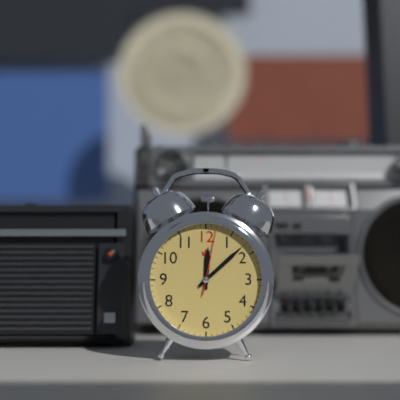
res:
12:08:02
